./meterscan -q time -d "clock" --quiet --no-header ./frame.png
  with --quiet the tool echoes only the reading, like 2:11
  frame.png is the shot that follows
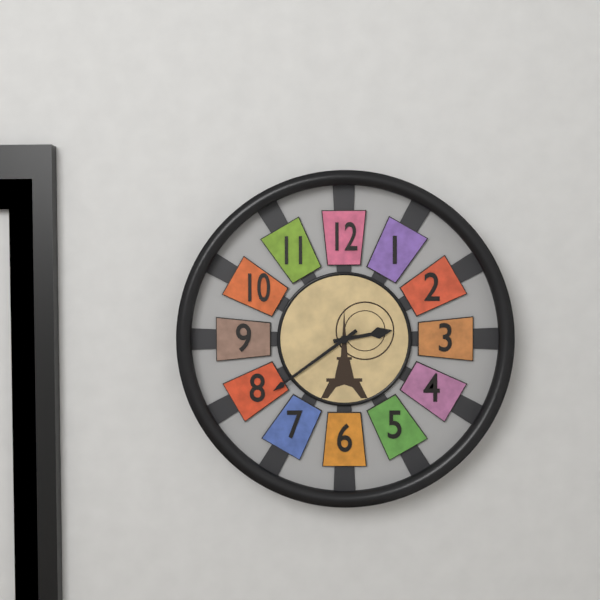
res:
2:39
